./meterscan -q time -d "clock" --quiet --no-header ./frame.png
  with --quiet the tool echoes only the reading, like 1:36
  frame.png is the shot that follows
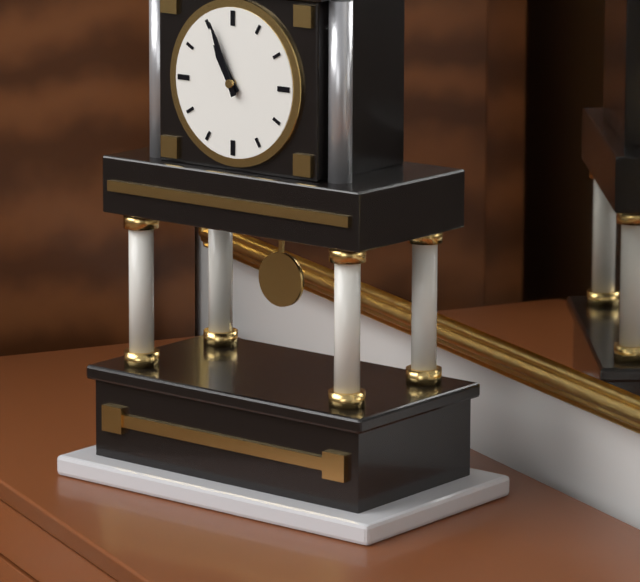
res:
10:56
